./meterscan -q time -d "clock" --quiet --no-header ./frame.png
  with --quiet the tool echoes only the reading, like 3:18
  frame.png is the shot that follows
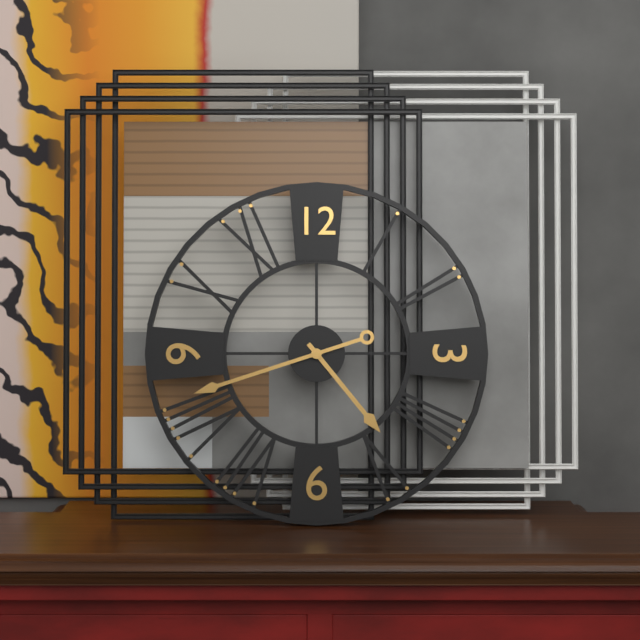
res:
4:42
